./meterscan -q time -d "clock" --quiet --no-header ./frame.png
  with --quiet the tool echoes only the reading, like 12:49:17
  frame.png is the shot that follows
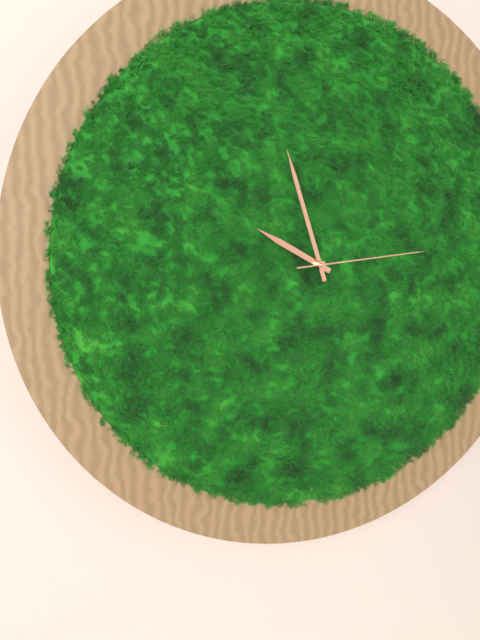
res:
9:57:14
